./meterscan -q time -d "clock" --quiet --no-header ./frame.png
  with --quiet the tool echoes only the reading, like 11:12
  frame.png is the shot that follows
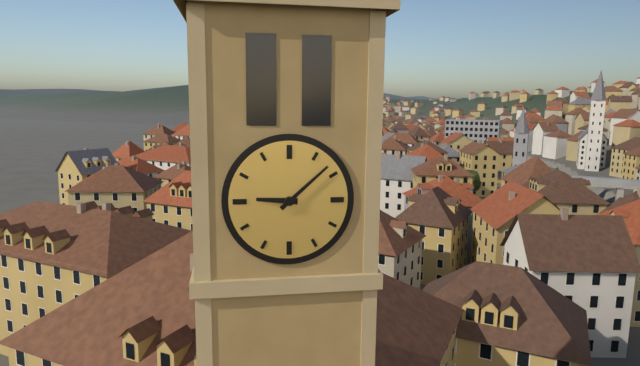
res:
9:08
